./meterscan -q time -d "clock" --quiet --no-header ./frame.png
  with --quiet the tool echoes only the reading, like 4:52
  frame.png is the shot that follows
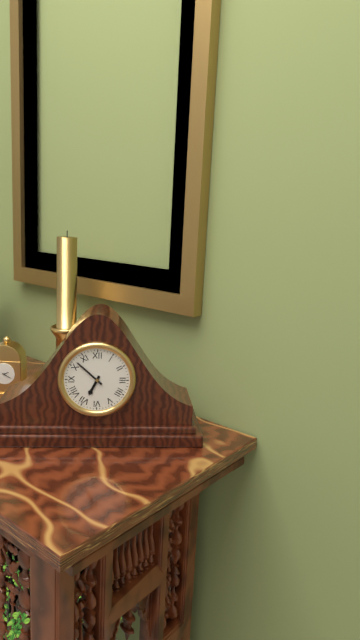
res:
6:52
